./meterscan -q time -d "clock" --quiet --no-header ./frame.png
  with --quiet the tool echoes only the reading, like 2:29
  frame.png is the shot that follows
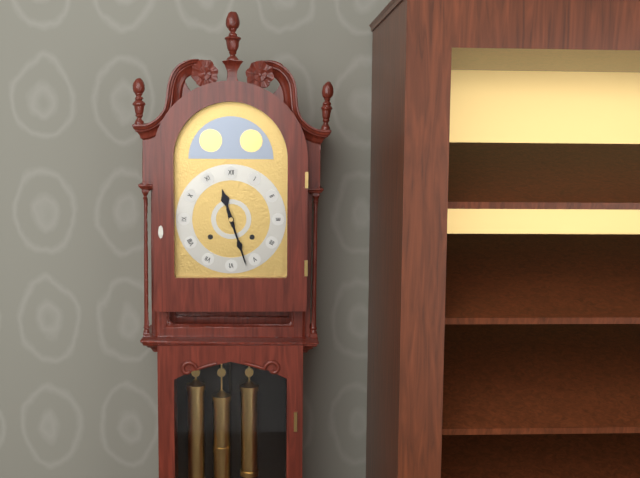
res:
11:27
